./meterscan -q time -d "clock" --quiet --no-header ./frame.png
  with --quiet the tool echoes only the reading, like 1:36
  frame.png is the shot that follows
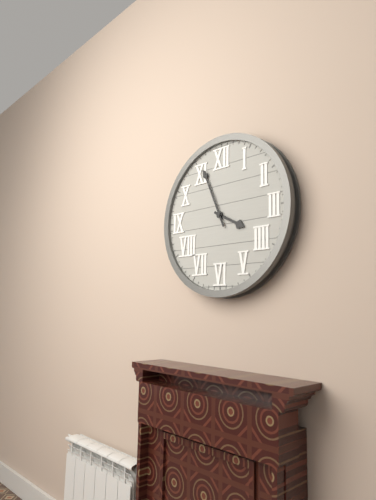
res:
3:56
